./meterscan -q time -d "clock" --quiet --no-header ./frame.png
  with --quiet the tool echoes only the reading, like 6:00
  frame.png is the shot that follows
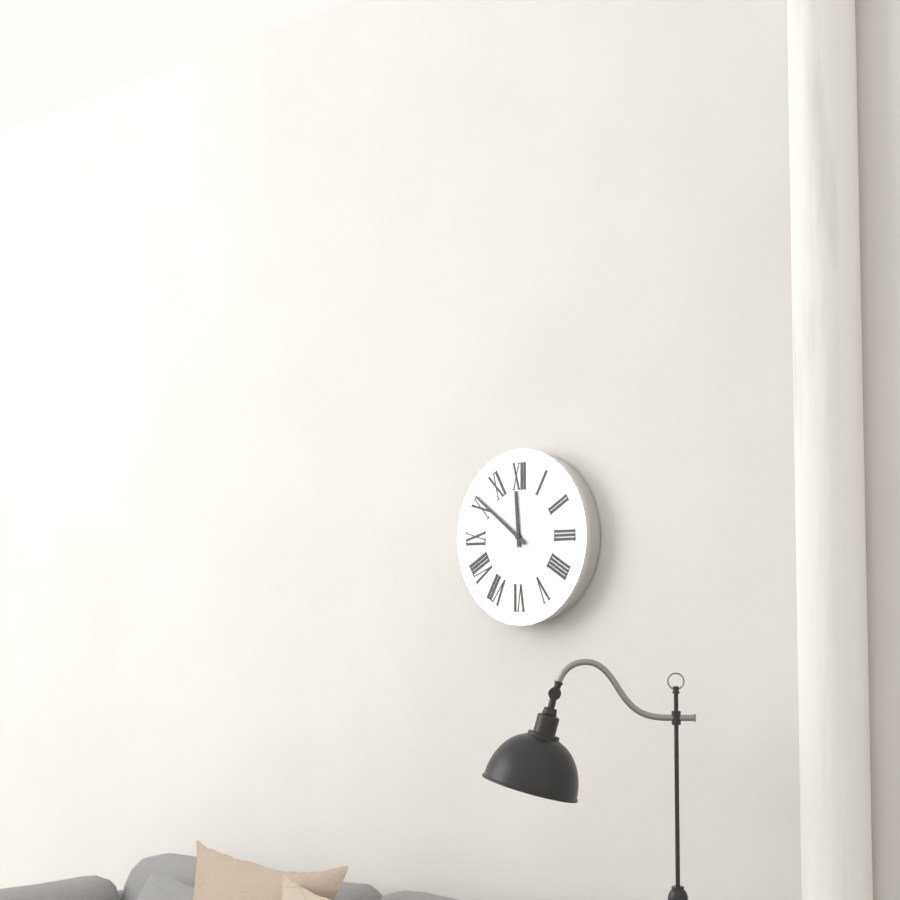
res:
11:51
